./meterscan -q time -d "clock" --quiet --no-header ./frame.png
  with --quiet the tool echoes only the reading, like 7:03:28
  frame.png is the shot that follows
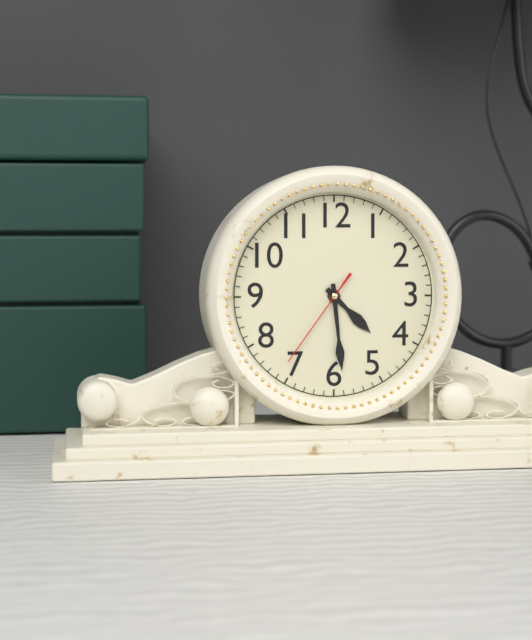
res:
4:29:36
